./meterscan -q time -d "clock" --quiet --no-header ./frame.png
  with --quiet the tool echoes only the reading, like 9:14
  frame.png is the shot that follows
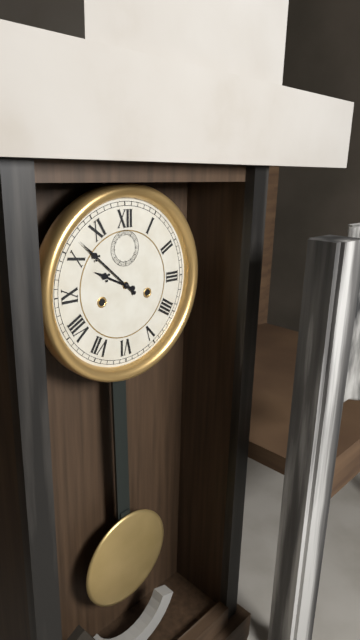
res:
9:52
